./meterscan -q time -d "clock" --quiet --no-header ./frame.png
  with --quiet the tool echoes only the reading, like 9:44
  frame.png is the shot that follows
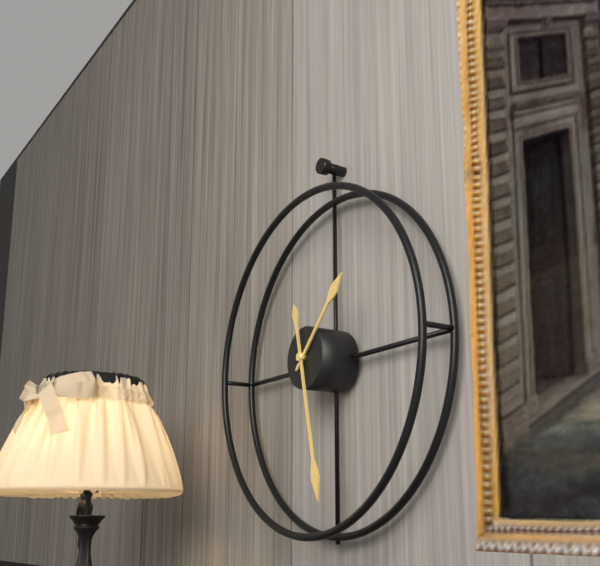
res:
1:28
